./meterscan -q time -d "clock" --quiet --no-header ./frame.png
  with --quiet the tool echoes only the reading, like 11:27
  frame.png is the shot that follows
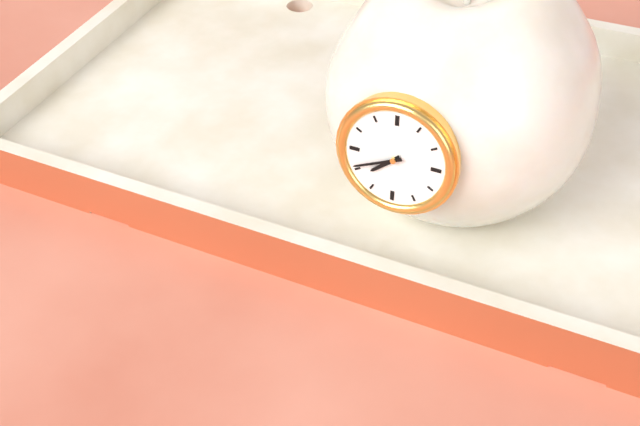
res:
7:41
